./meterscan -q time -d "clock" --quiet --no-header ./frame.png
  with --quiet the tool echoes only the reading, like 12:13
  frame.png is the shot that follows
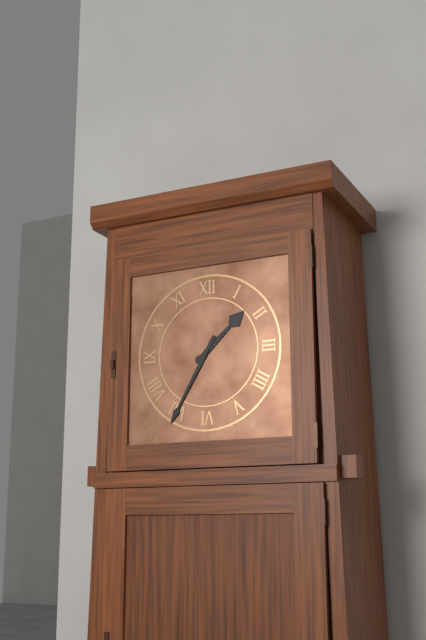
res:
1:35
